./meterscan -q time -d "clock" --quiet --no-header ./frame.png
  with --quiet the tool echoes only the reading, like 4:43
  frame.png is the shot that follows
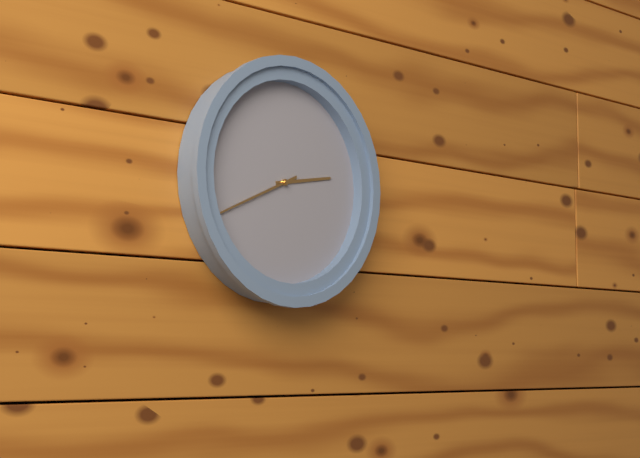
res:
2:41
